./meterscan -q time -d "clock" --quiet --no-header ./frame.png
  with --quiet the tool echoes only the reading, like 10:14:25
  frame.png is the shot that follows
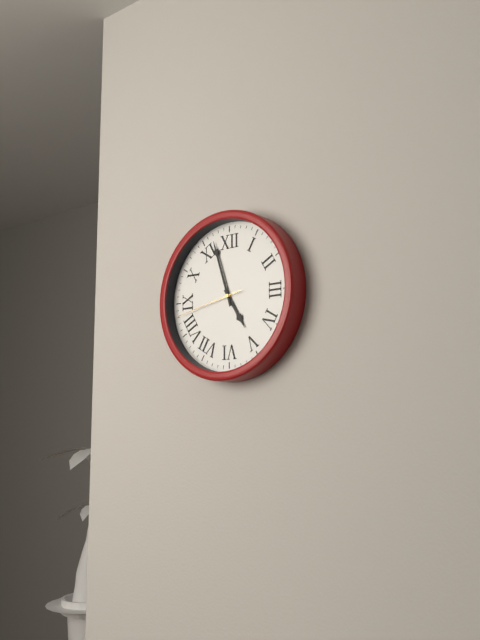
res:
4:57:43
